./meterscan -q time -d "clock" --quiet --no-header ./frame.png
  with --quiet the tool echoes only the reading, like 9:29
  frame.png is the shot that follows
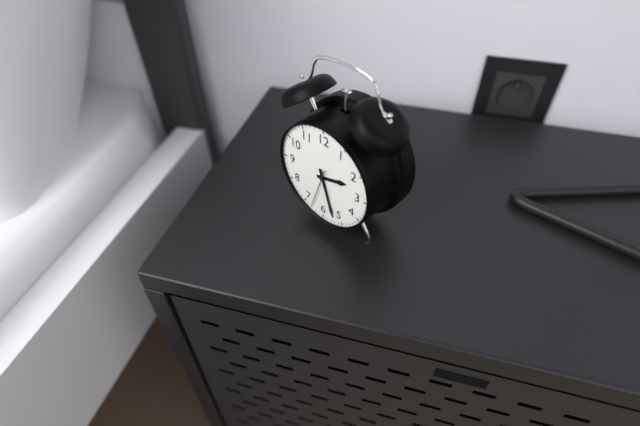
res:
2:27
